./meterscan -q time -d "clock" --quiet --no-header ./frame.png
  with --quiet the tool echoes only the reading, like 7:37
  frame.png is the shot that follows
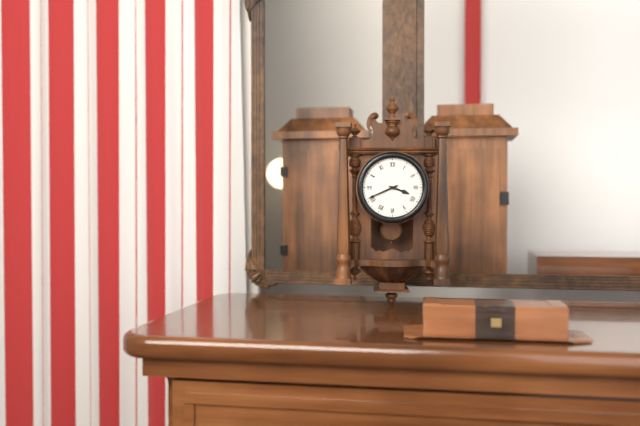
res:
3:41
